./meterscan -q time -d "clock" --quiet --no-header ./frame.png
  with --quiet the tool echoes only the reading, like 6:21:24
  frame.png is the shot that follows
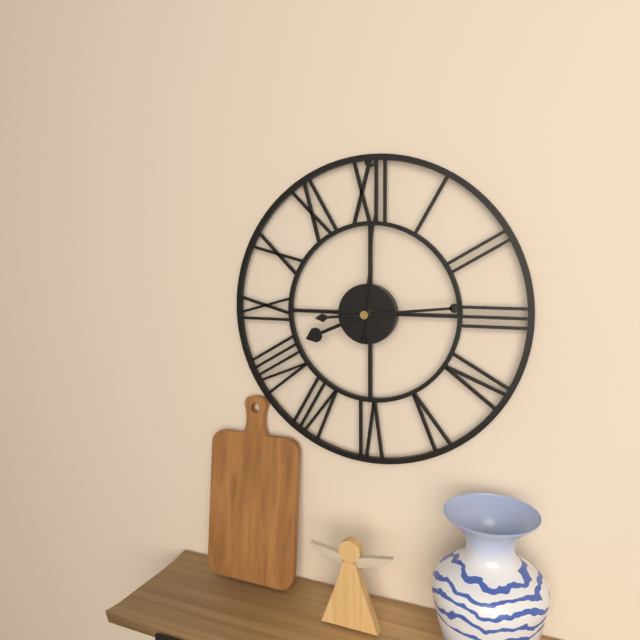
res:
8:14:01
